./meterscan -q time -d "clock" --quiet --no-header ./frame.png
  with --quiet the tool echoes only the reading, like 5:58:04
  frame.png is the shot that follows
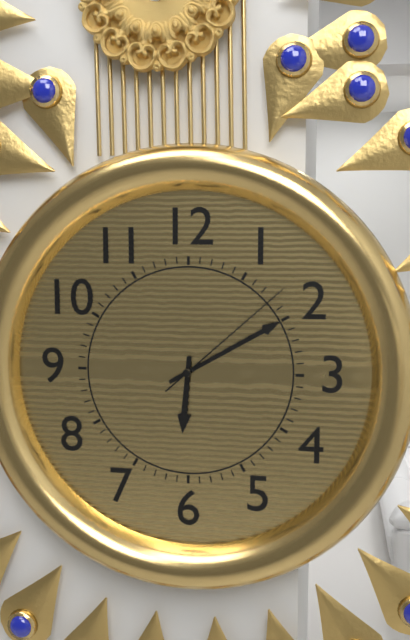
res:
6:10:08
